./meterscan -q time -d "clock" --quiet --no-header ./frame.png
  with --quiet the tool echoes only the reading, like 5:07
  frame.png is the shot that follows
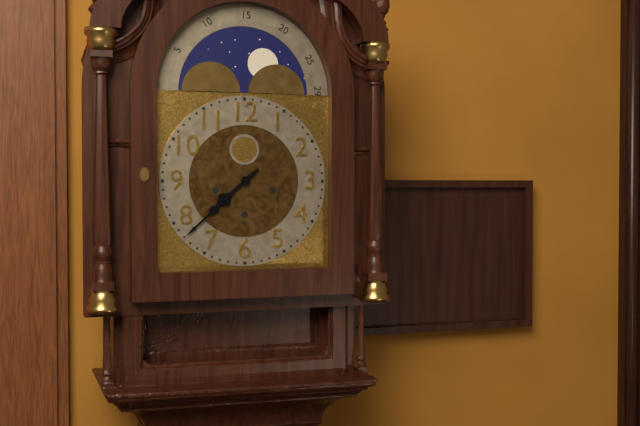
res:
7:38
